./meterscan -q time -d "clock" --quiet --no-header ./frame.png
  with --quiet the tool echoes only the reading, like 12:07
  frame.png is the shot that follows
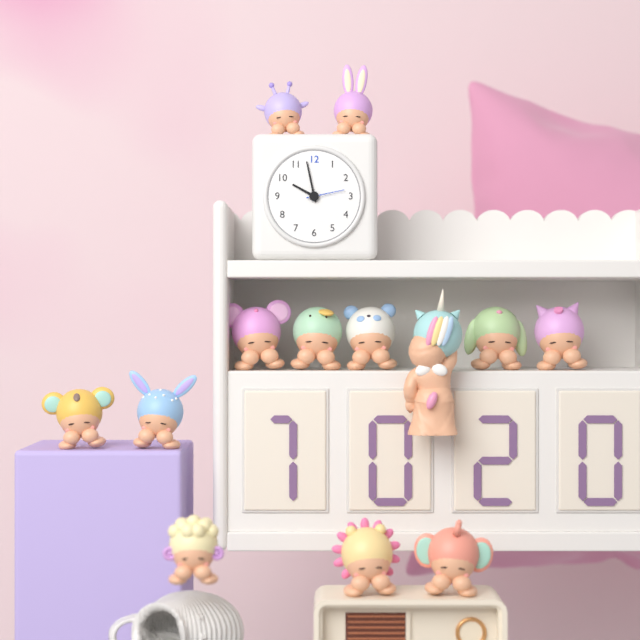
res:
9:58
